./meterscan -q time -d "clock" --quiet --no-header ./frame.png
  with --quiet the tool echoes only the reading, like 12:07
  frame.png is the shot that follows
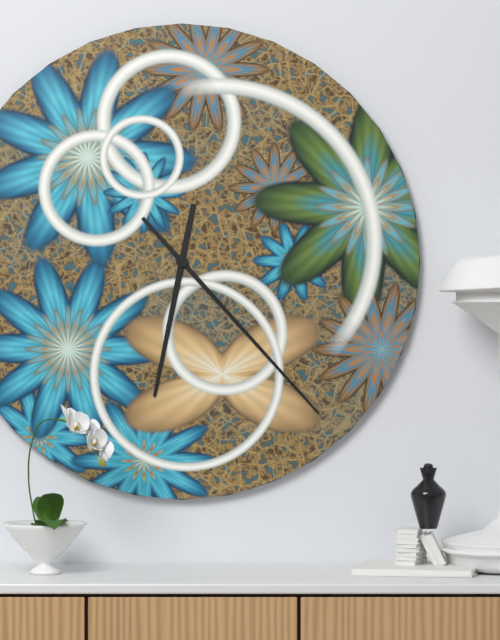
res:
6:23
